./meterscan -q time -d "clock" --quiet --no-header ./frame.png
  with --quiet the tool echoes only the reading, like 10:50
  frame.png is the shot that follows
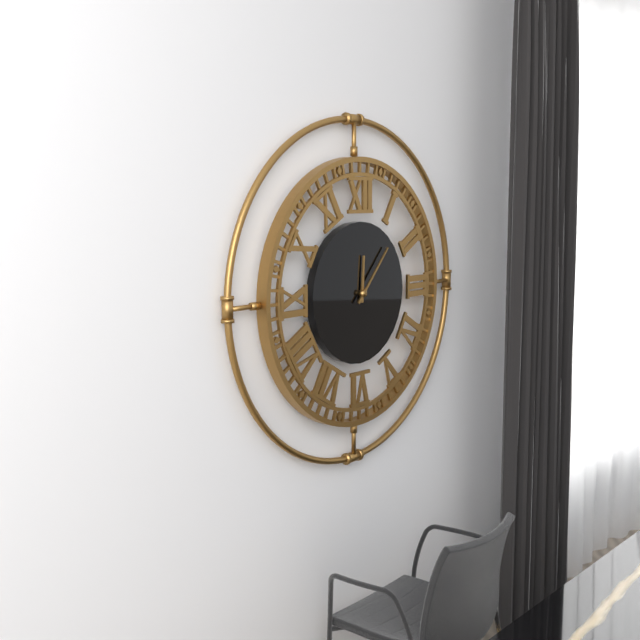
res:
12:07
